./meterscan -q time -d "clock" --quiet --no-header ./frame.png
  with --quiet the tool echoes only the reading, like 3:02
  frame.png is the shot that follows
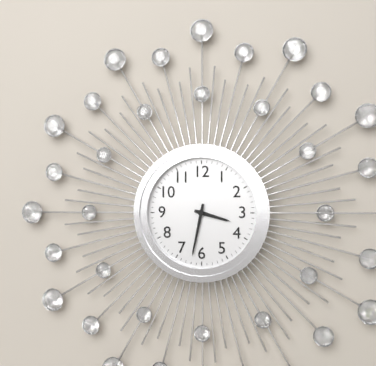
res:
3:32
